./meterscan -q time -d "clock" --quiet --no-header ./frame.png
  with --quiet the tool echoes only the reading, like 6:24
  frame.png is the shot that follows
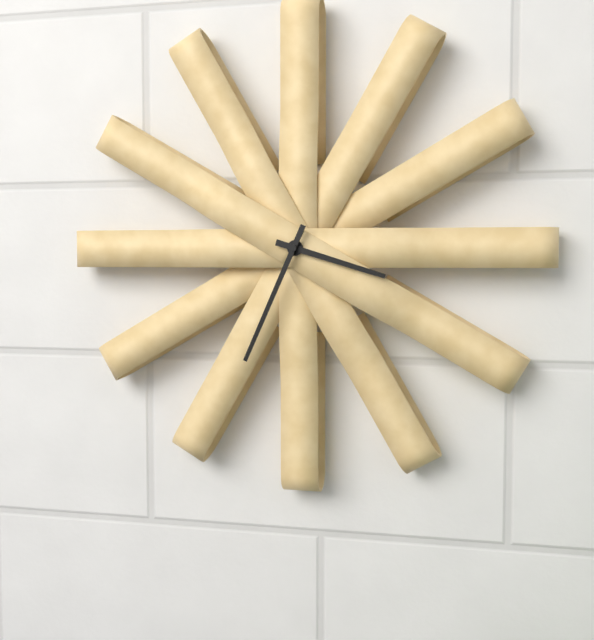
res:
3:34
